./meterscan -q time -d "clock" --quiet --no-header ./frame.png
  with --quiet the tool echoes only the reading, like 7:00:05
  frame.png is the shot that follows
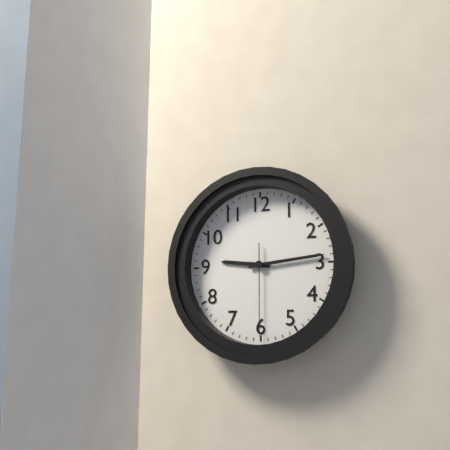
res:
9:14:30
